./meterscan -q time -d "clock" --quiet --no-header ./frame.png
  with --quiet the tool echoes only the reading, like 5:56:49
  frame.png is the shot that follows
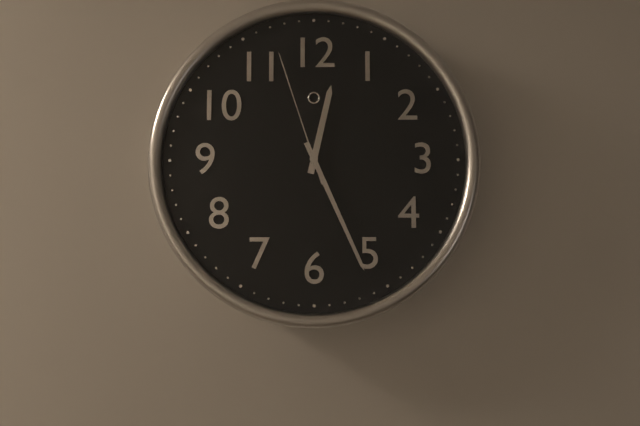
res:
12:26:57
